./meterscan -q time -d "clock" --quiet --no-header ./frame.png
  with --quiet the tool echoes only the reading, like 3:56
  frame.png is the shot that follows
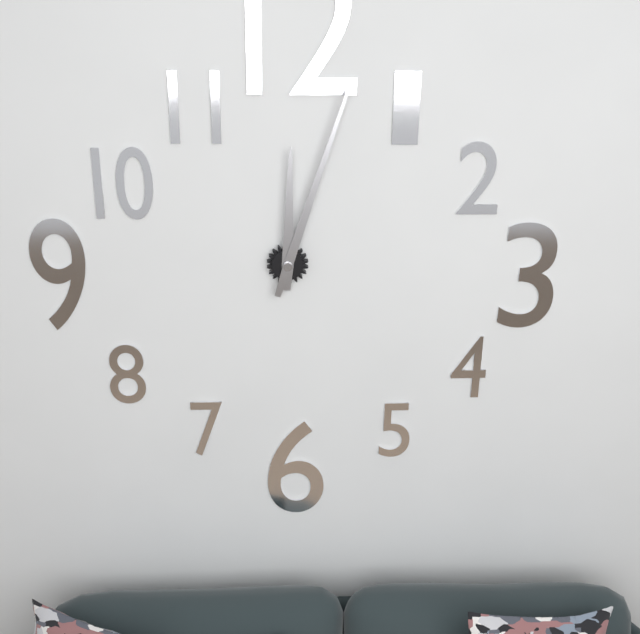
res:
12:03
